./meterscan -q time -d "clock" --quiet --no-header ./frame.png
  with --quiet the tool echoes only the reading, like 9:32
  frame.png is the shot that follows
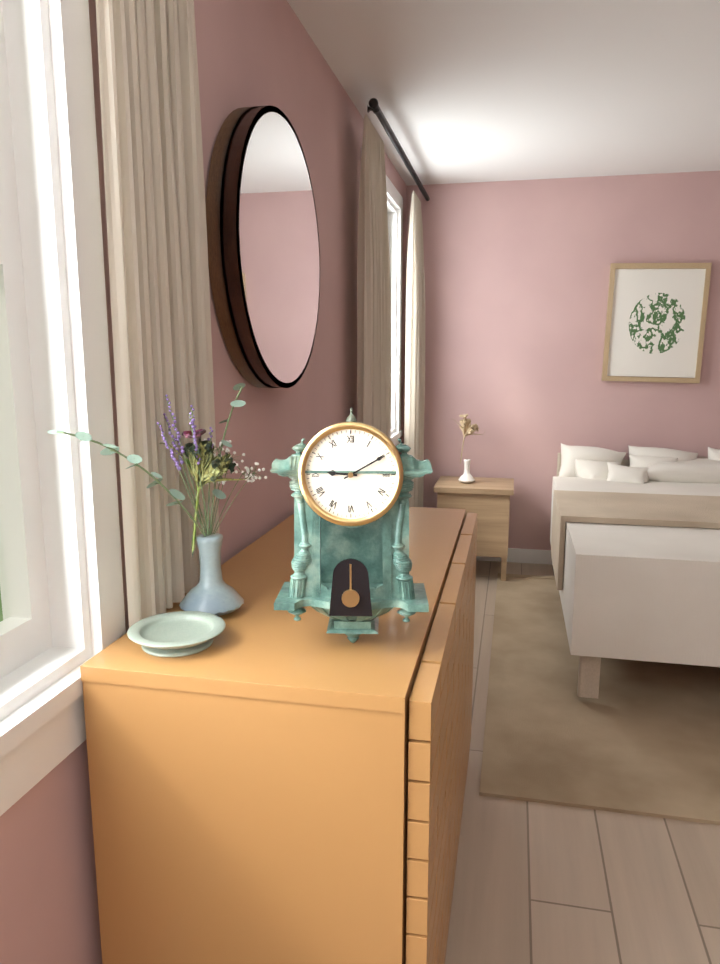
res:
9:10
